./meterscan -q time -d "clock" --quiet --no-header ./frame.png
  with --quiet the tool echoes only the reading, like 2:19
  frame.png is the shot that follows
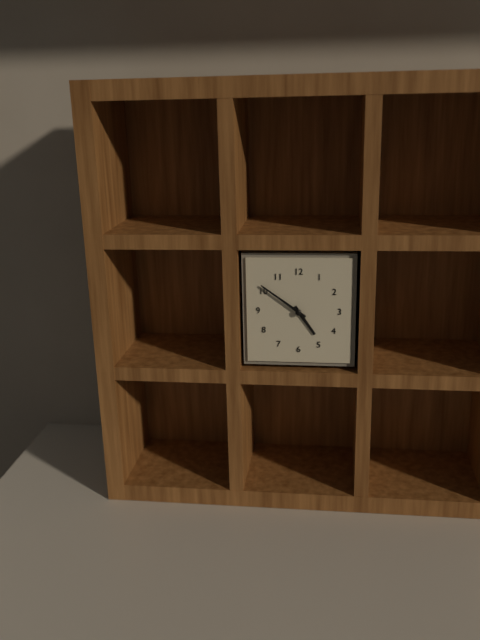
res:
4:51
